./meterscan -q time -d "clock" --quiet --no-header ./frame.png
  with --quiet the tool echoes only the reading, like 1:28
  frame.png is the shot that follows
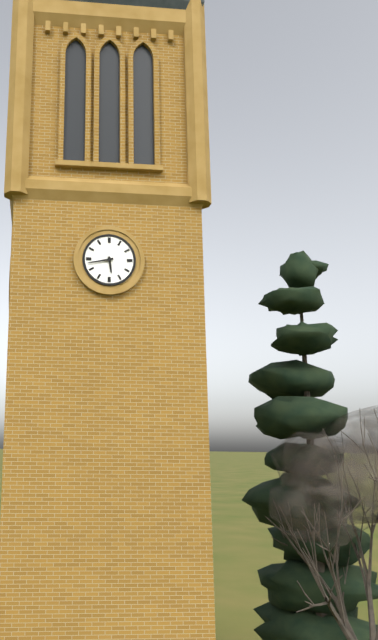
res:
5:43
